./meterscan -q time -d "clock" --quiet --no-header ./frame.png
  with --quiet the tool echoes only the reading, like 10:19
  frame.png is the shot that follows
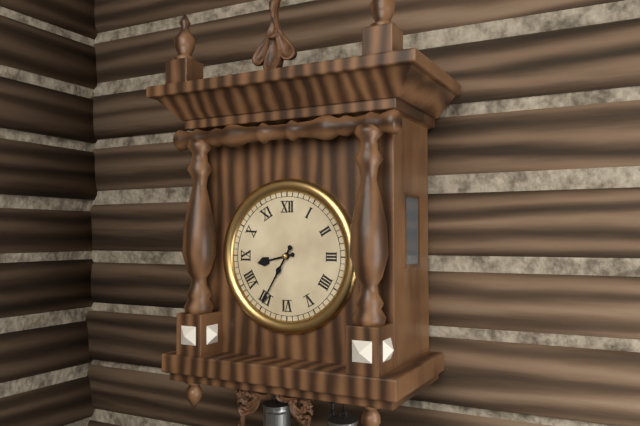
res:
8:35
